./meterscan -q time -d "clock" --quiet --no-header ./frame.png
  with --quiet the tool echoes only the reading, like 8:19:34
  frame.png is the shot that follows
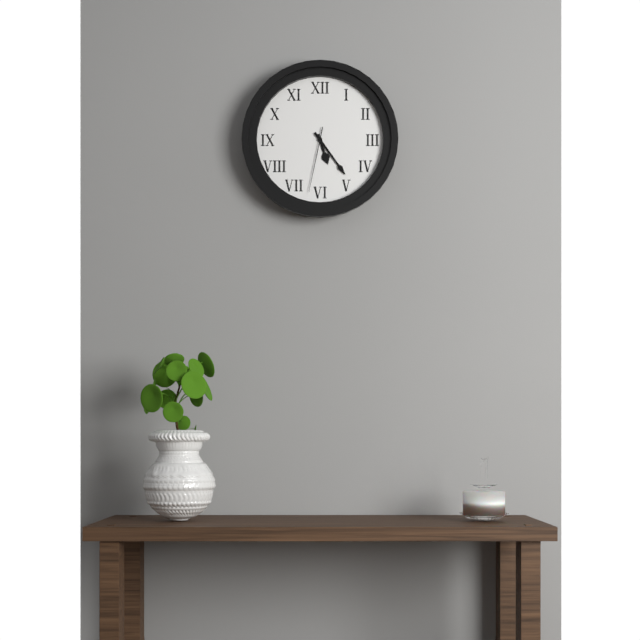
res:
5:24:32
